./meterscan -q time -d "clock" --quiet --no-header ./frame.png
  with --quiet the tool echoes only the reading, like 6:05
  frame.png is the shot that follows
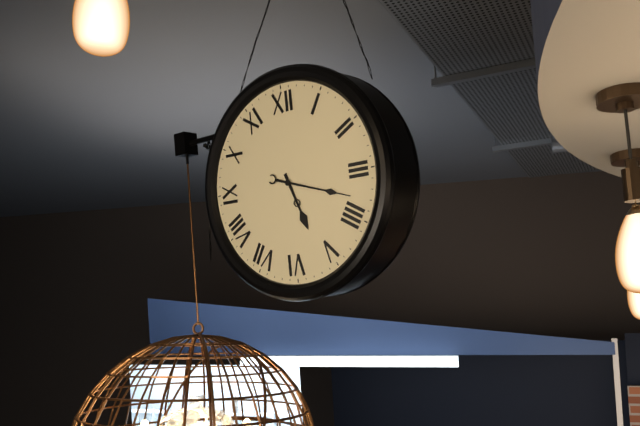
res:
5:18
